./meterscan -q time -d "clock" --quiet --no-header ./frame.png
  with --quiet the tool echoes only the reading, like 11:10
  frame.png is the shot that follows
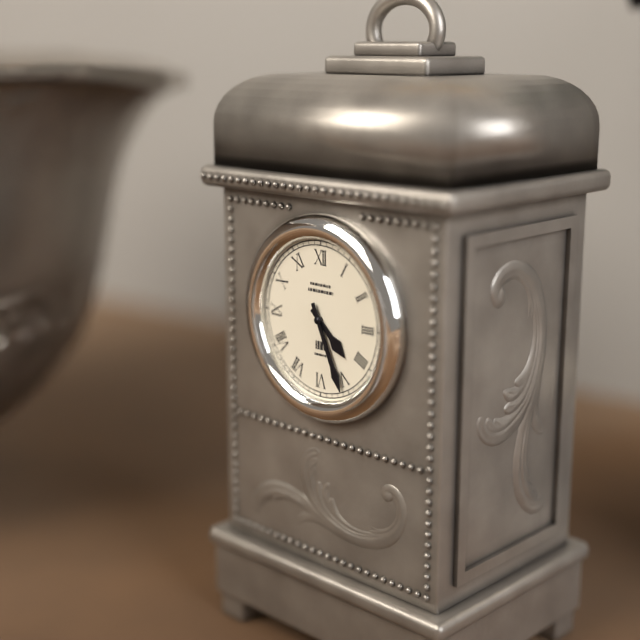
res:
4:26
